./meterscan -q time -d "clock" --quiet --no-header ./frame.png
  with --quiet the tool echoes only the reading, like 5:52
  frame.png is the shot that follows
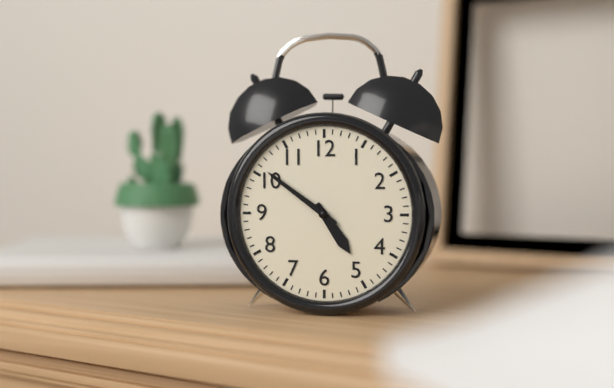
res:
4:51
